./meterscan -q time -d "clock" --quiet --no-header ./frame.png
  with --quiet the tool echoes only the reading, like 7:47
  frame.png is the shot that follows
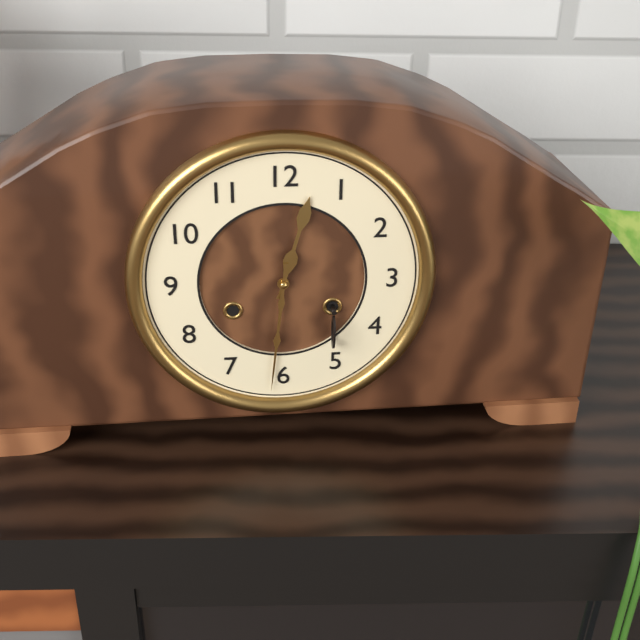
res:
12:31
